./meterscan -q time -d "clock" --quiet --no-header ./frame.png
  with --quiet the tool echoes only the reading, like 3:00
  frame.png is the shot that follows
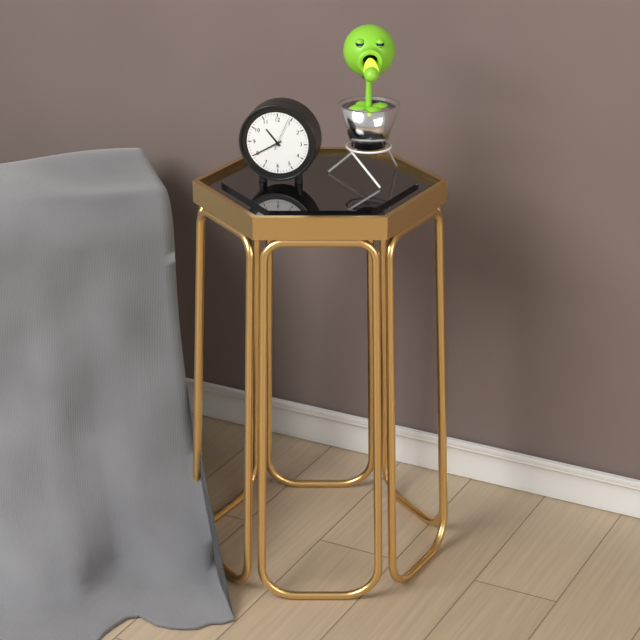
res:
10:40
